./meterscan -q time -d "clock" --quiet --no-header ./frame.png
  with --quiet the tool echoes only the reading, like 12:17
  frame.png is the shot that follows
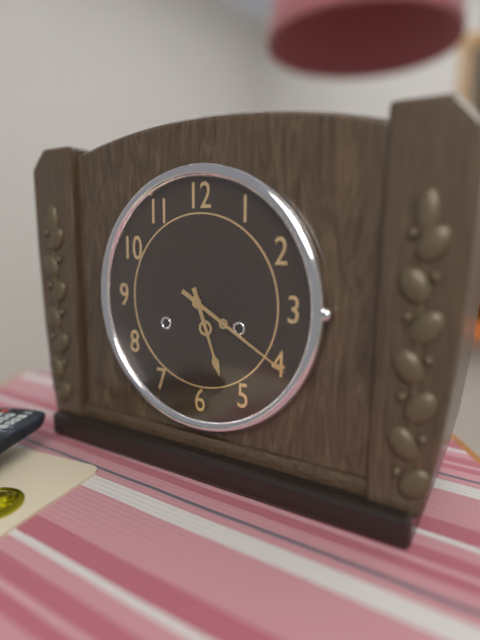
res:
5:20
